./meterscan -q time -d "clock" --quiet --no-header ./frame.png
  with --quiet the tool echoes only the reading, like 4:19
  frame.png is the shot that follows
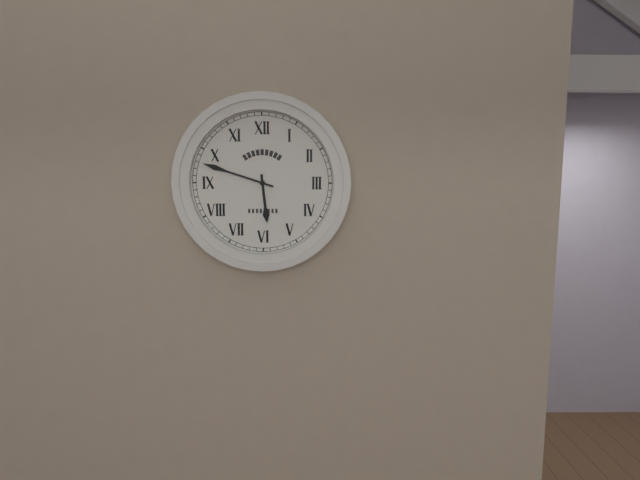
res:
5:48
